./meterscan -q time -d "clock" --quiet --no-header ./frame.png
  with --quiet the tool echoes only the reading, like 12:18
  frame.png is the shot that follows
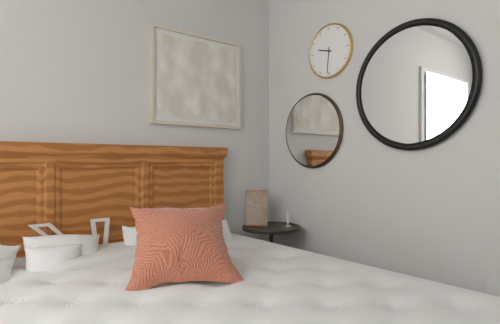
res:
9:31
